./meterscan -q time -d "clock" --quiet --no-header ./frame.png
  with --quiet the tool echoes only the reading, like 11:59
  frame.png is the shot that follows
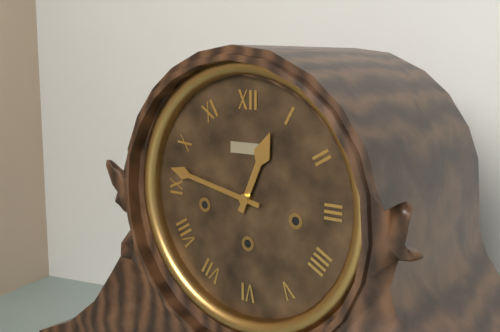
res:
12:47
